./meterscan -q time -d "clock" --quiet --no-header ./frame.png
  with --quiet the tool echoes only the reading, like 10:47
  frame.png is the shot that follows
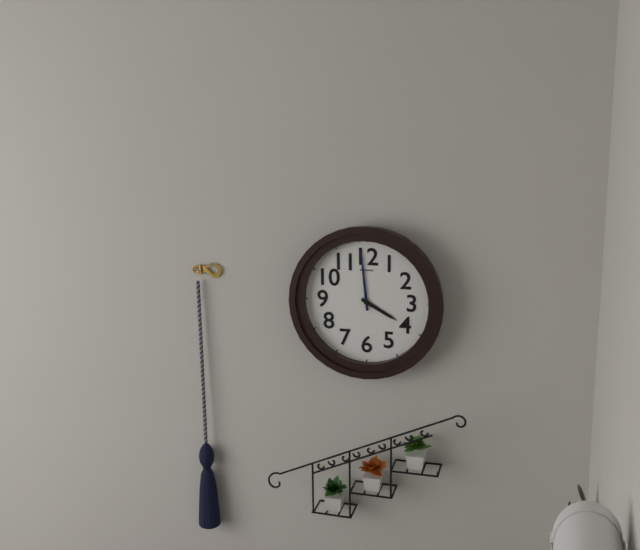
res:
3:59
